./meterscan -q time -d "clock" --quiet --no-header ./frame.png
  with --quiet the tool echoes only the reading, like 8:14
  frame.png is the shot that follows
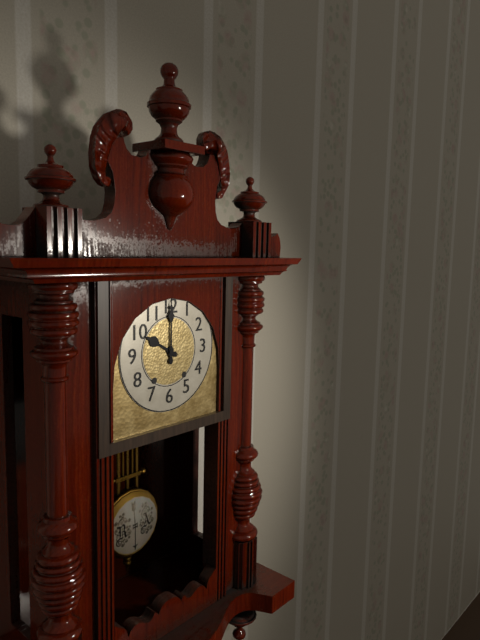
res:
10:00
